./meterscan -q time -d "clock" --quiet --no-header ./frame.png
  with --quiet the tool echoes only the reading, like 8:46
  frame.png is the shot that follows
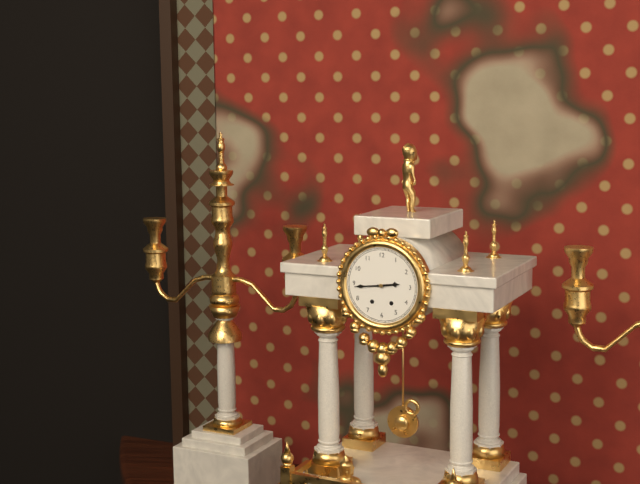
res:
2:44
